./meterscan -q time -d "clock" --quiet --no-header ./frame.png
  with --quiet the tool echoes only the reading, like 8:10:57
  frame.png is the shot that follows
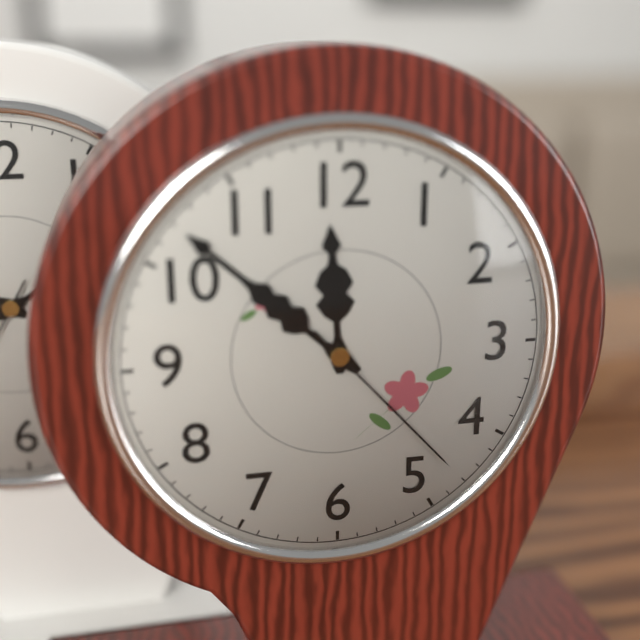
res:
11:52:23
